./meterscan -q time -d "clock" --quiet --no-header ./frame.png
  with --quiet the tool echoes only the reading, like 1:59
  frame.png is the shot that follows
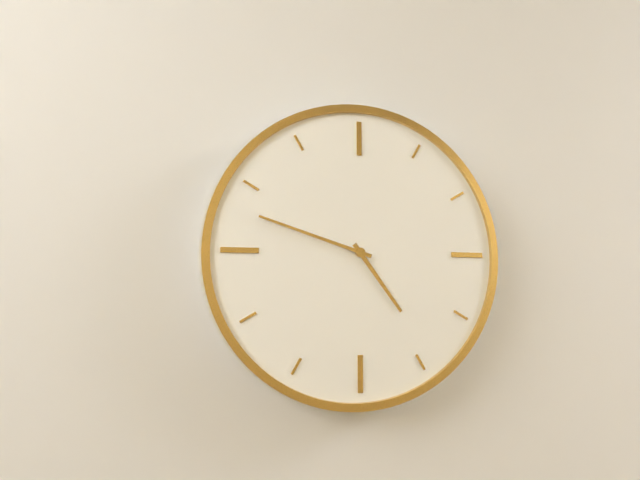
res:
4:48
